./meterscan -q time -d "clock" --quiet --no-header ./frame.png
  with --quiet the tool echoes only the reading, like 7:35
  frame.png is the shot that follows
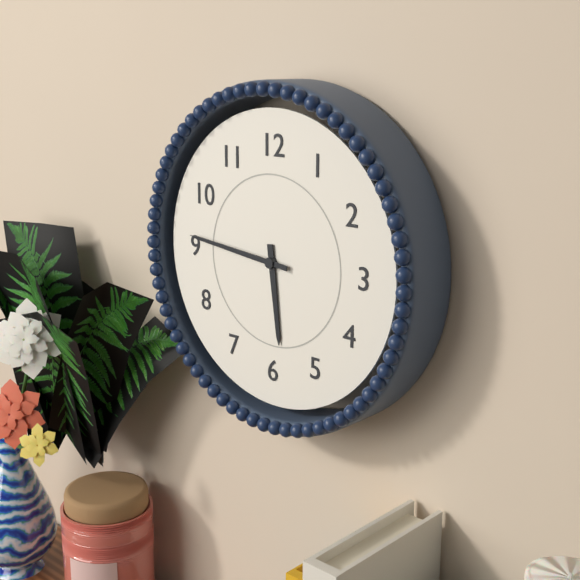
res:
5:46
